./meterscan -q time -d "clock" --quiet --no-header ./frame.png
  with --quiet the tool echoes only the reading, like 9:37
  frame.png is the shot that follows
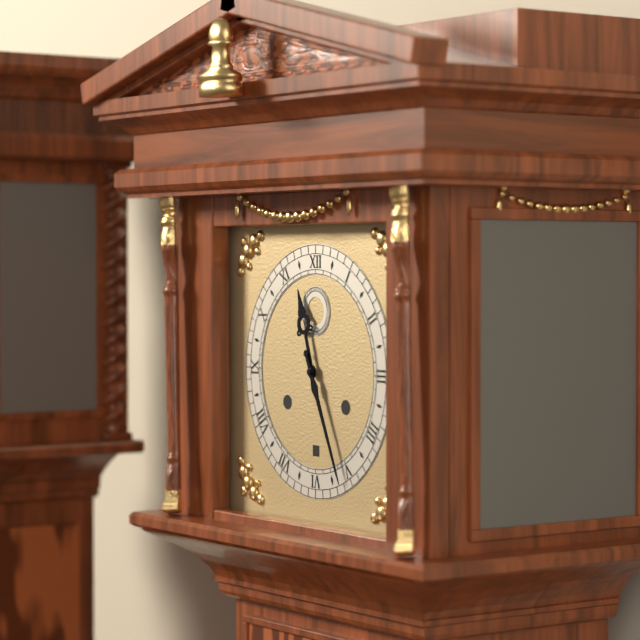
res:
11:26
